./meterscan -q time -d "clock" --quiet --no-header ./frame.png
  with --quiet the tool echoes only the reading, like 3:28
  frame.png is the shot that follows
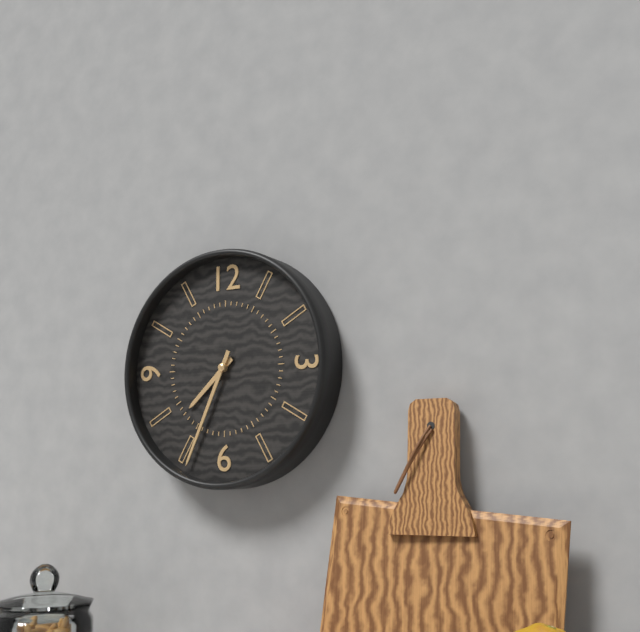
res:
7:34
